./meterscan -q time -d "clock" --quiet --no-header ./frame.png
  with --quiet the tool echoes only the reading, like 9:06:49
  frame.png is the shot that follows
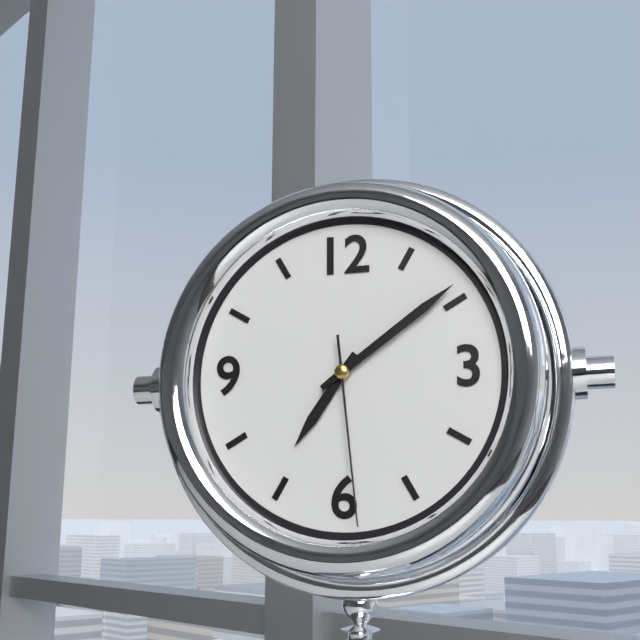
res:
7:09:29
